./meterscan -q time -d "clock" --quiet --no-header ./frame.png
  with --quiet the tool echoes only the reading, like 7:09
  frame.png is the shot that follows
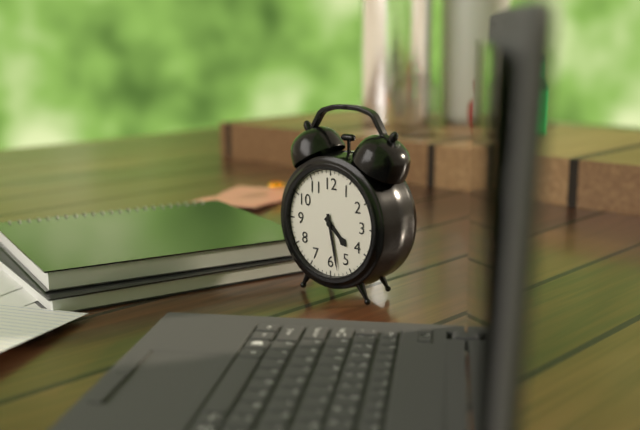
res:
4:28
